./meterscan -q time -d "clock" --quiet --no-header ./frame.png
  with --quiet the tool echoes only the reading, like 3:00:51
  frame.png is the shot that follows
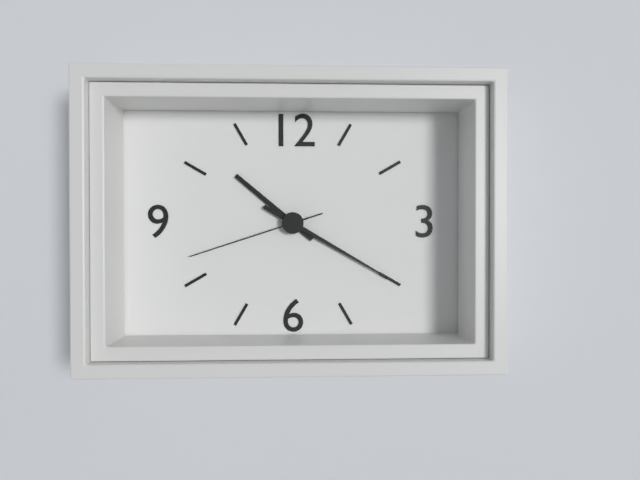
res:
10:20:42
